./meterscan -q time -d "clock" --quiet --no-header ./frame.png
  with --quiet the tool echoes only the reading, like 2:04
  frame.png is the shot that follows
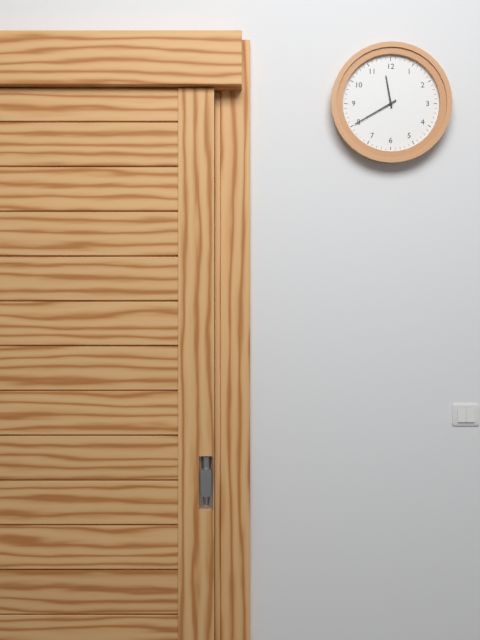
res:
11:40
